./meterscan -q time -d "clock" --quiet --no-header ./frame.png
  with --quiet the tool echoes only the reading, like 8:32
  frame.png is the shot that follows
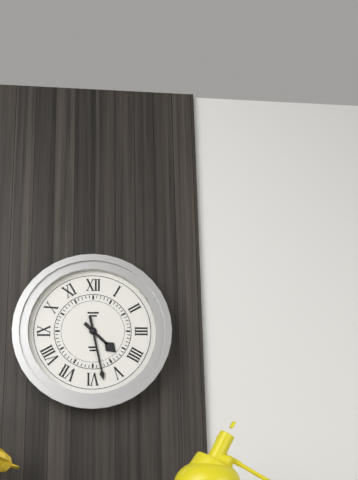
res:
4:28
